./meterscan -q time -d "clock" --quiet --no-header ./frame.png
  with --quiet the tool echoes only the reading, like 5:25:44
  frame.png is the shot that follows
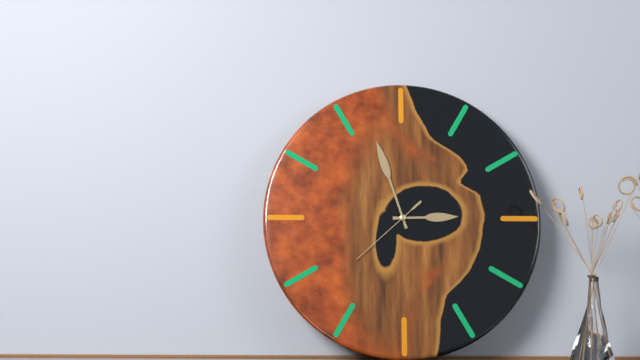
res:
2:57:38
